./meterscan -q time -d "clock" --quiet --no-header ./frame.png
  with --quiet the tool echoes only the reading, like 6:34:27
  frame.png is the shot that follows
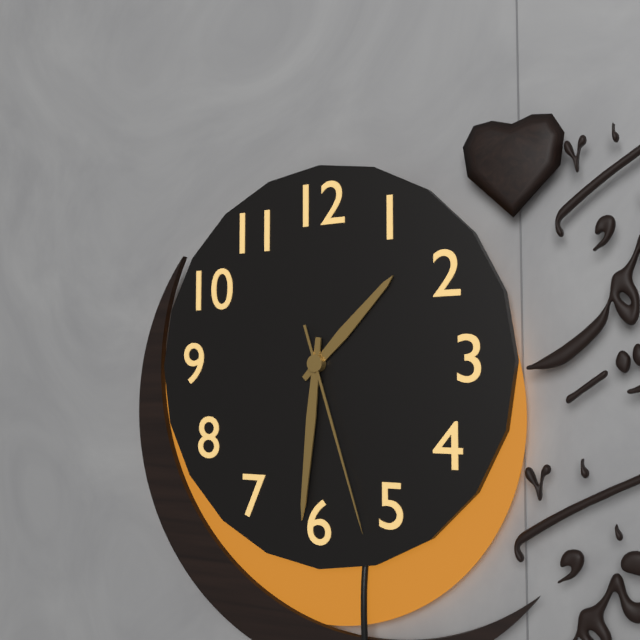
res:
1:31:27
